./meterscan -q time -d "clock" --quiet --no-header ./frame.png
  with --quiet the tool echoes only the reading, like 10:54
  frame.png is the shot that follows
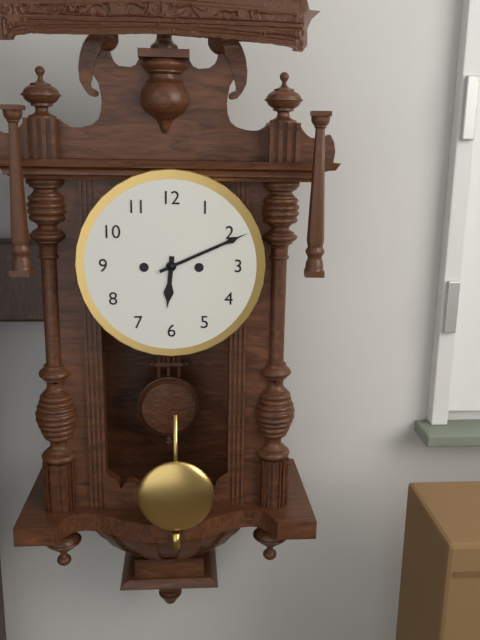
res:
6:11
